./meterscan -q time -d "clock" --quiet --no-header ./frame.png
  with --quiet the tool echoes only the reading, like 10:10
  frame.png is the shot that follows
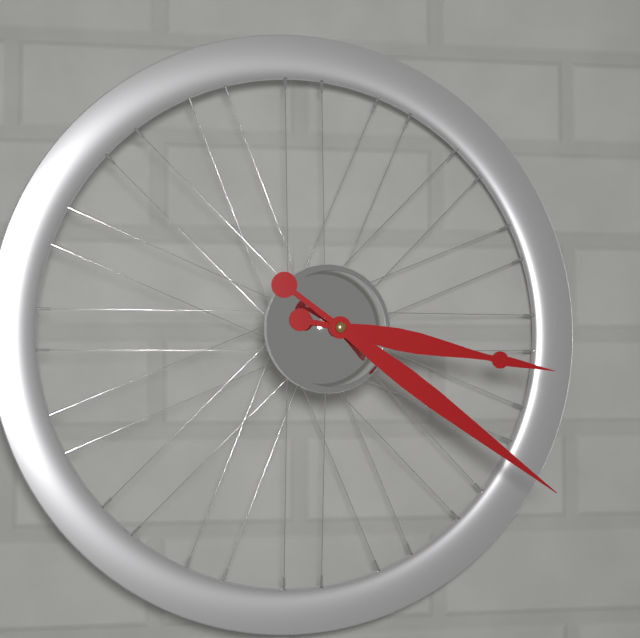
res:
3:21
